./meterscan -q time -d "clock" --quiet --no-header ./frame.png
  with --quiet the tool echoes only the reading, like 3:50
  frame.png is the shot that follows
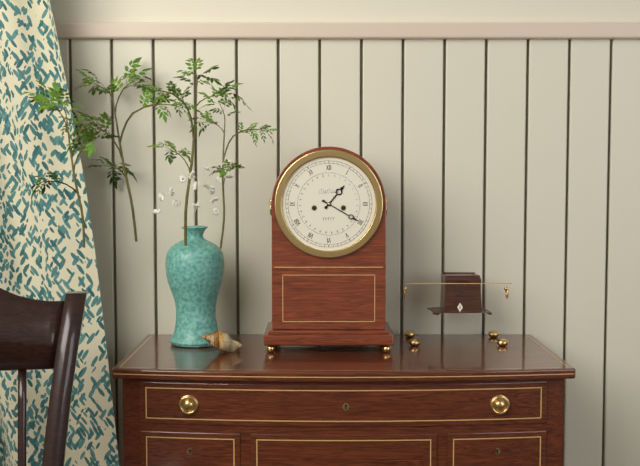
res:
1:20
